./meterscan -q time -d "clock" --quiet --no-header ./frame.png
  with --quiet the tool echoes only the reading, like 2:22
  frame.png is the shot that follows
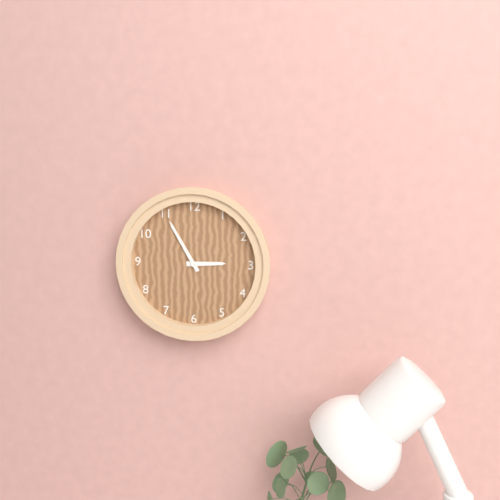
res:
2:55
